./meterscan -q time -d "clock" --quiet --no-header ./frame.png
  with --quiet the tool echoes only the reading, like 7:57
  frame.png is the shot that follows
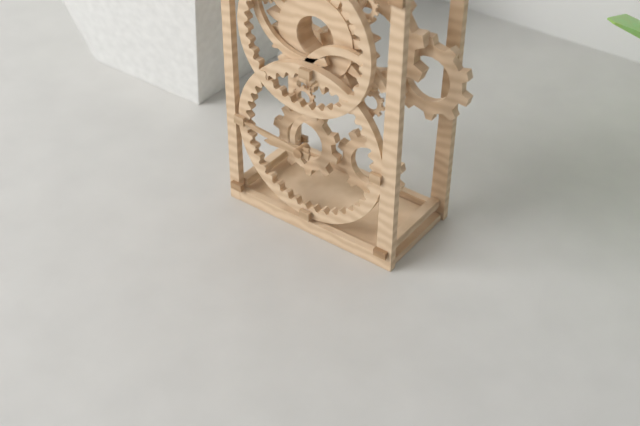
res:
8:46
